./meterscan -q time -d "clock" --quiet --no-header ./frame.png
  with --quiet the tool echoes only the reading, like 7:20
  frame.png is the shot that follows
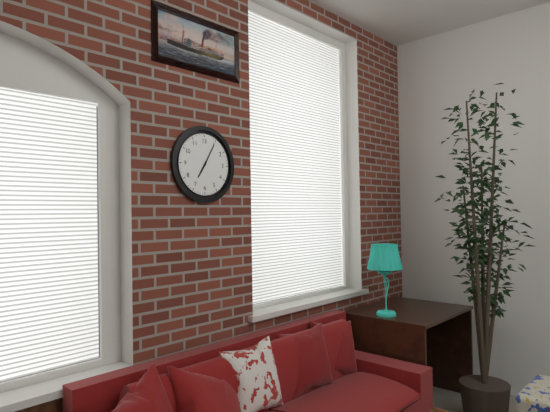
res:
7:05
